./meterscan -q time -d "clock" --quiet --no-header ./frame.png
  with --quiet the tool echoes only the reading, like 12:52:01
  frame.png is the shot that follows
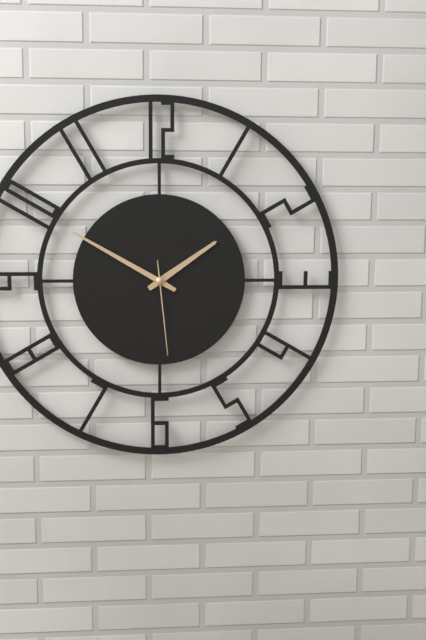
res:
1:50:29
